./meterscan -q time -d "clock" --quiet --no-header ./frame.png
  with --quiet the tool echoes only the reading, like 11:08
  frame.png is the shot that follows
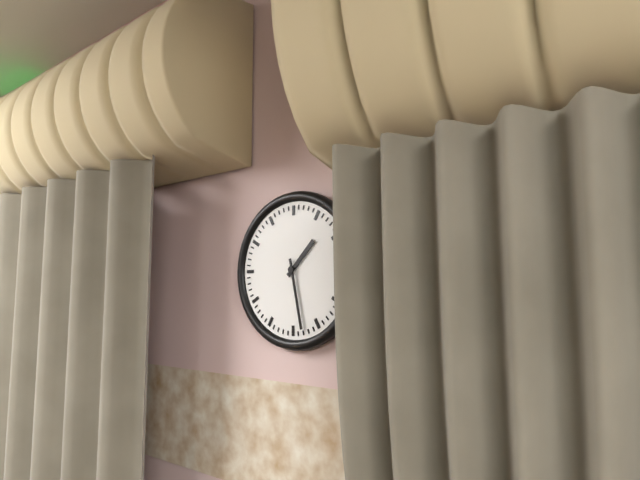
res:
1:28
